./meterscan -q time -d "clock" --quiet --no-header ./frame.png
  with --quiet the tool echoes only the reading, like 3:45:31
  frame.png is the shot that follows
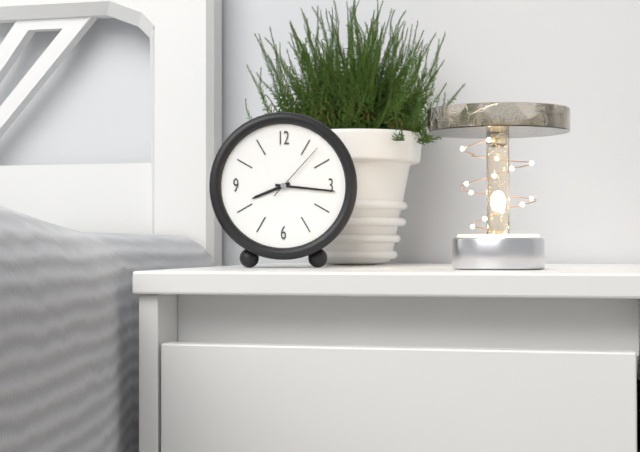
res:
8:16:07
